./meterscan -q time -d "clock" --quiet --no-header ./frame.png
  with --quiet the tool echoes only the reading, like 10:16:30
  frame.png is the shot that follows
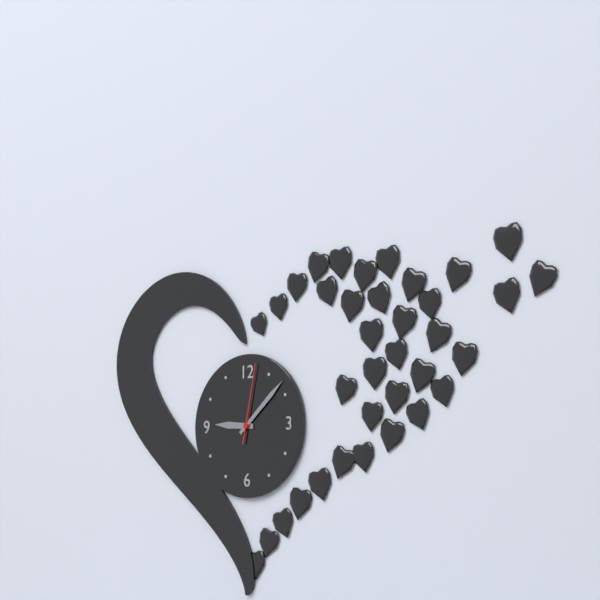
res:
9:08:02
